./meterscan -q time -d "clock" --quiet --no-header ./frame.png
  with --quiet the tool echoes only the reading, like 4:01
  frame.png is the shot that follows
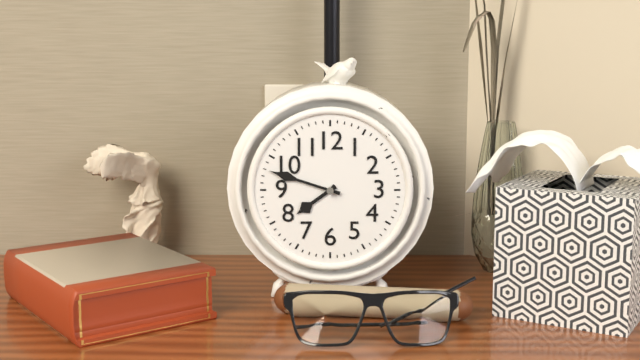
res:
7:48
